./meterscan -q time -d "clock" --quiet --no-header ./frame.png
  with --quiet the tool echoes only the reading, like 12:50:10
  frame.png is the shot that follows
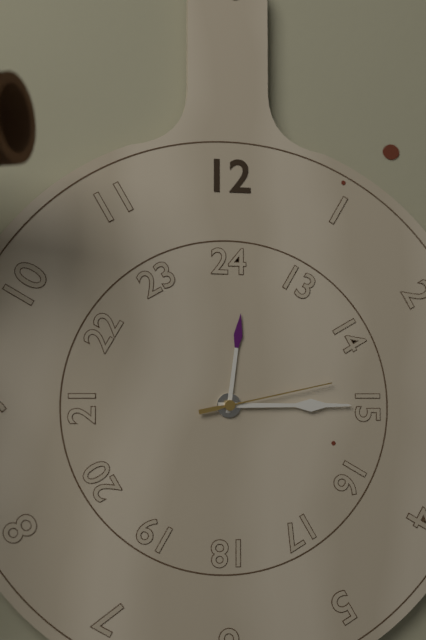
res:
12:15:13
